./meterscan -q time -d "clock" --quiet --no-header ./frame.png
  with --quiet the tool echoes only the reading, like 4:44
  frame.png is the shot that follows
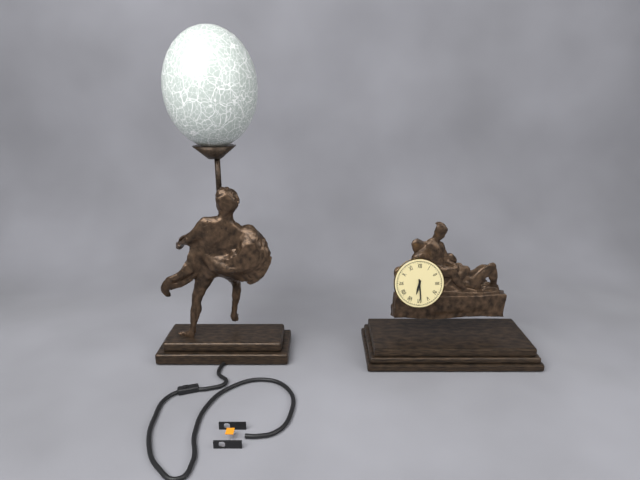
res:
6:29
